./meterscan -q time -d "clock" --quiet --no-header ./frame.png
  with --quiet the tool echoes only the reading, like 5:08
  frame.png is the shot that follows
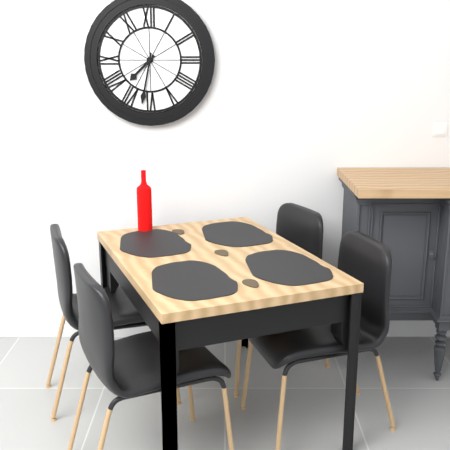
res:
7:32
